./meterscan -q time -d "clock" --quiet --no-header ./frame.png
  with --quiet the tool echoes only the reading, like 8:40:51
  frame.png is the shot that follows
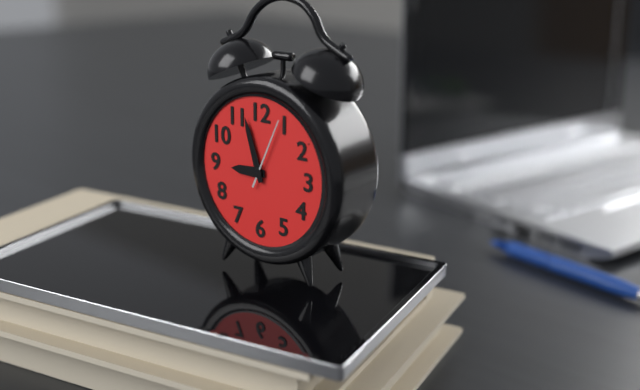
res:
8:57:04
